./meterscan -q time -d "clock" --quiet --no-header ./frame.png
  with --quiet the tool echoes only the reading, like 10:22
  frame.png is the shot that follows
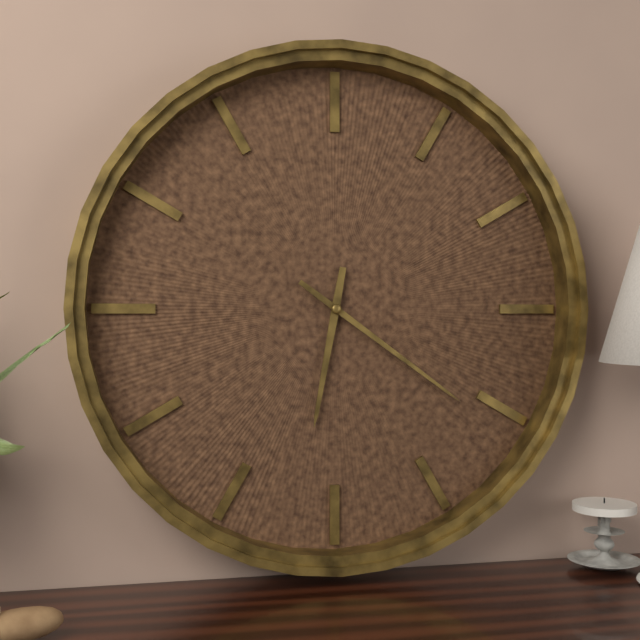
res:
6:21
